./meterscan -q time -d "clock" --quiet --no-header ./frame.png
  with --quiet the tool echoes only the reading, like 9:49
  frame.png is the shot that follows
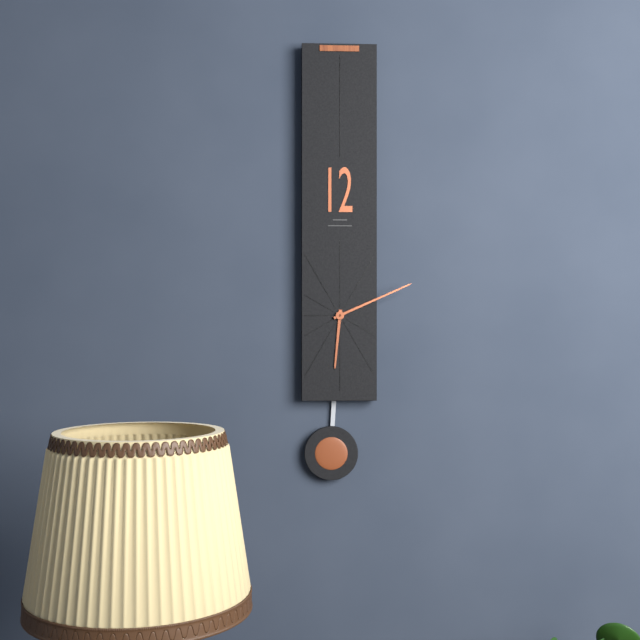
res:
6:11
